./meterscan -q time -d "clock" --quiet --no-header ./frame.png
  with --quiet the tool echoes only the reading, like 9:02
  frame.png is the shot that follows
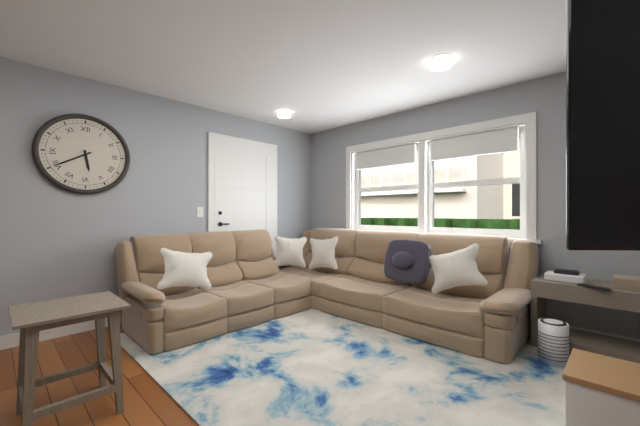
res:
5:40
